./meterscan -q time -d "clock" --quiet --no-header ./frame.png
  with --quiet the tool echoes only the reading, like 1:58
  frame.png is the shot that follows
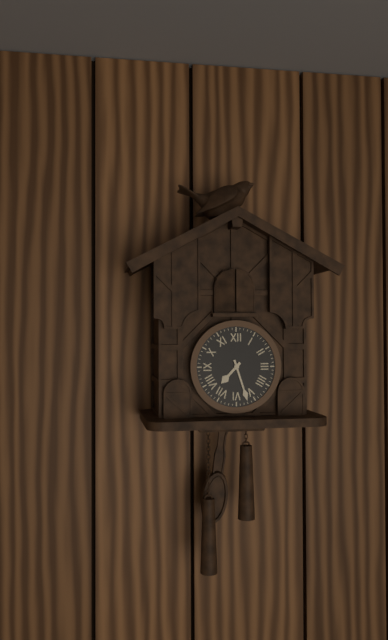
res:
7:27
